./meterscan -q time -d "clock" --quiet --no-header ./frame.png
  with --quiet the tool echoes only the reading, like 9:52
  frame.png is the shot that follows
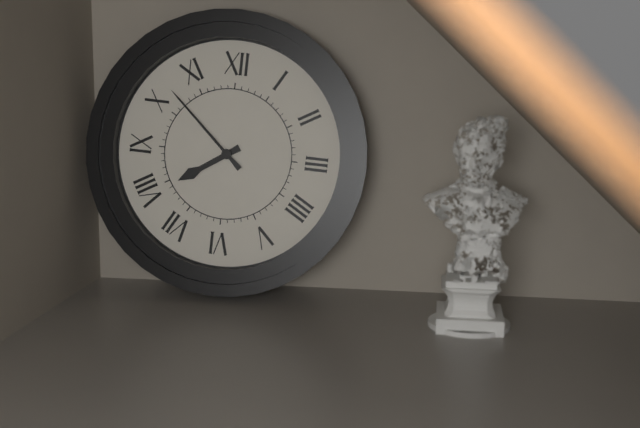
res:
7:52
